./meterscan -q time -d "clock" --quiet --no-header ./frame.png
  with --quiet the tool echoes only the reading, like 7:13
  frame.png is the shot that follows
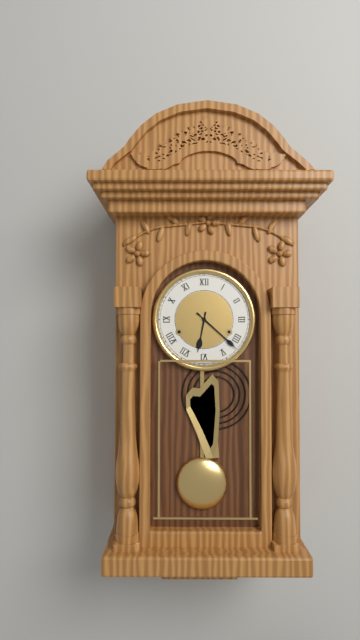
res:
6:22
